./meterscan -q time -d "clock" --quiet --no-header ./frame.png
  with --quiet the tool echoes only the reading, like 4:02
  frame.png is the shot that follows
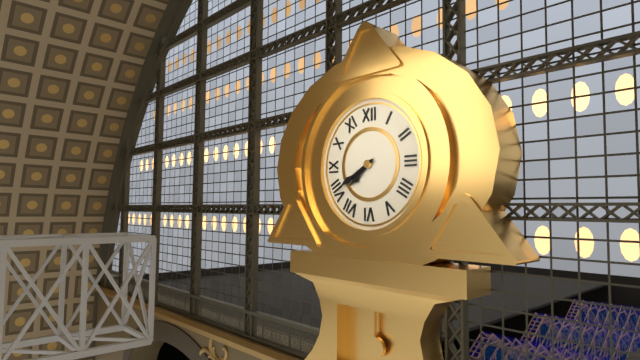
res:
7:40
